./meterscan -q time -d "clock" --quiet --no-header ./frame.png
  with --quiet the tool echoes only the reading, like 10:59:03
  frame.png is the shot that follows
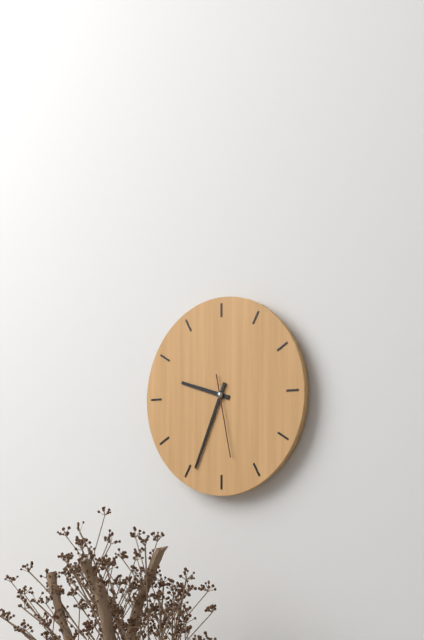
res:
9:34:28
